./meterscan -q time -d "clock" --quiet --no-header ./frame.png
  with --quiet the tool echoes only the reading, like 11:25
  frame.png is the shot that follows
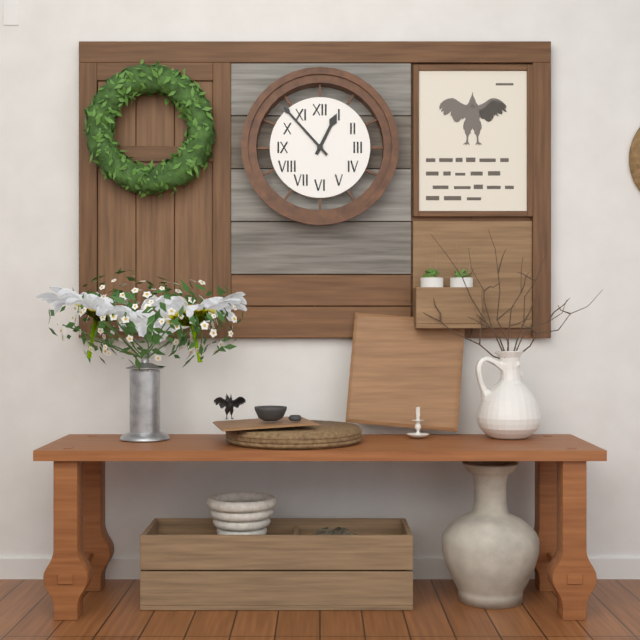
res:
12:53
